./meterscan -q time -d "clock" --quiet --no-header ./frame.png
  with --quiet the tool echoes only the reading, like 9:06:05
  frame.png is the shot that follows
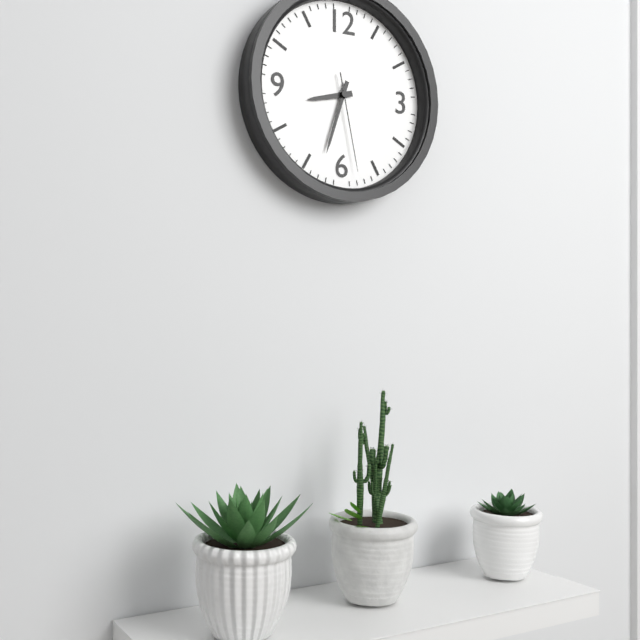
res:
8:33:28
